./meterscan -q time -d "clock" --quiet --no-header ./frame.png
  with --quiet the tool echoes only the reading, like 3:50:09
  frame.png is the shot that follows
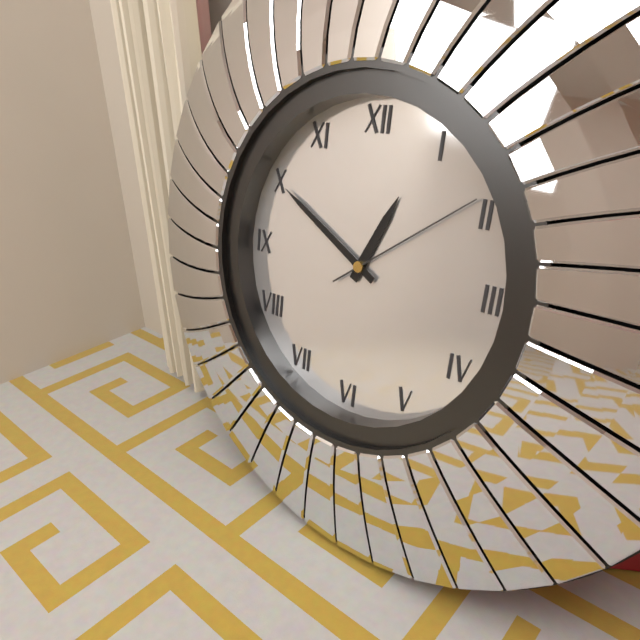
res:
12:50:09
